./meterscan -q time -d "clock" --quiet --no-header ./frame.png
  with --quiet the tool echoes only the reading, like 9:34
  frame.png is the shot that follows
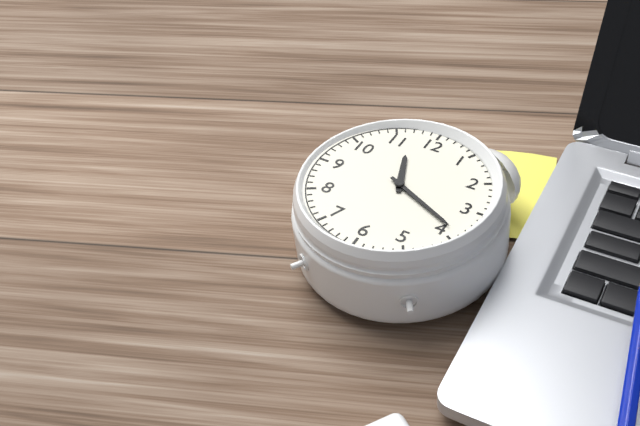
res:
11:19
